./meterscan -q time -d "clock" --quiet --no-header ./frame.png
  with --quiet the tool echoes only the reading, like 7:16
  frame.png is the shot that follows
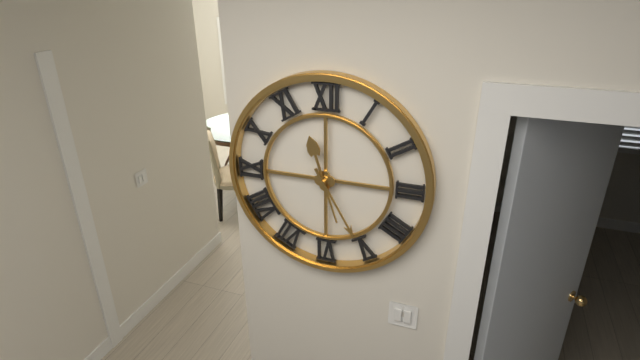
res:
11:25
